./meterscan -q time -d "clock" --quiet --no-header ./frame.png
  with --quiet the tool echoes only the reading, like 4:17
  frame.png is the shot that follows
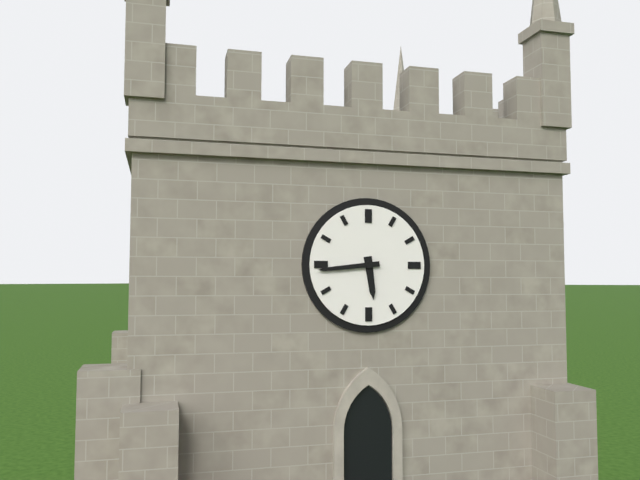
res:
5:44
